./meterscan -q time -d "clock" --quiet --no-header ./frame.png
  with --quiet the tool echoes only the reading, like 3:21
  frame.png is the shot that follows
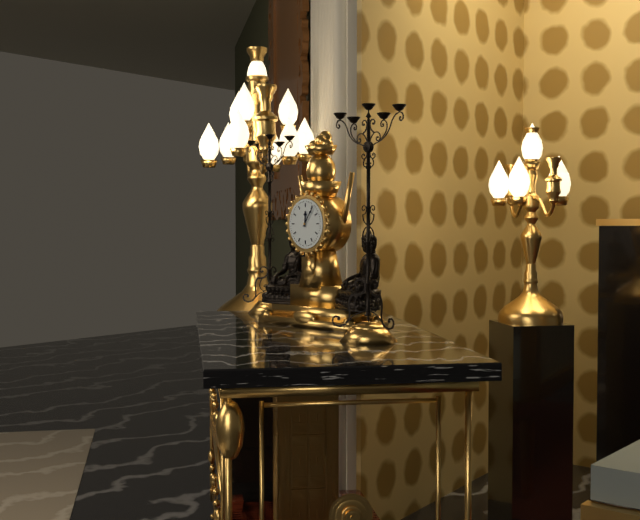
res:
12:06
